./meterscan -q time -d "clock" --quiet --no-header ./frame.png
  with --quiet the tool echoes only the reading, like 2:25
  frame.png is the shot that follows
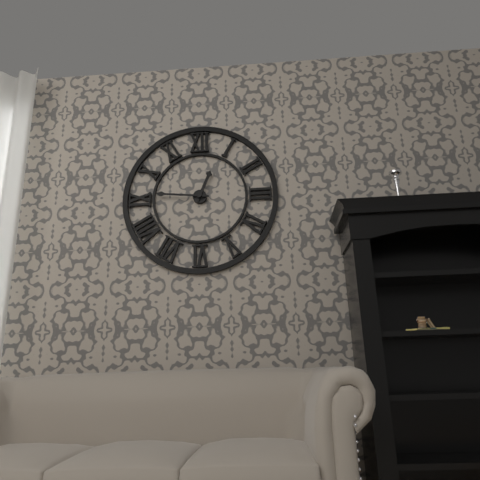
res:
12:46
